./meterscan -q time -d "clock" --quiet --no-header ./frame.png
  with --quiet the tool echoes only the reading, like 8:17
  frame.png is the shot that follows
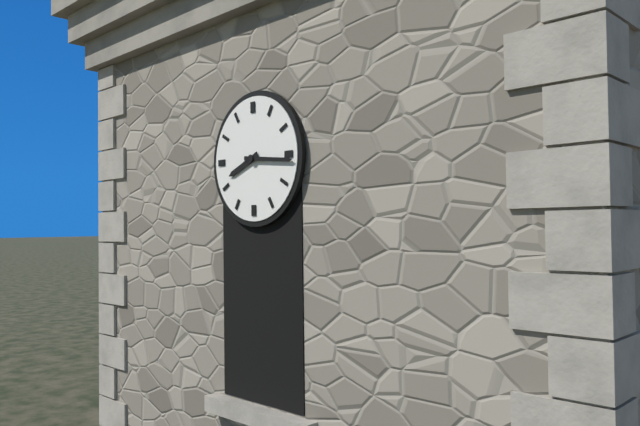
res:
8:16
